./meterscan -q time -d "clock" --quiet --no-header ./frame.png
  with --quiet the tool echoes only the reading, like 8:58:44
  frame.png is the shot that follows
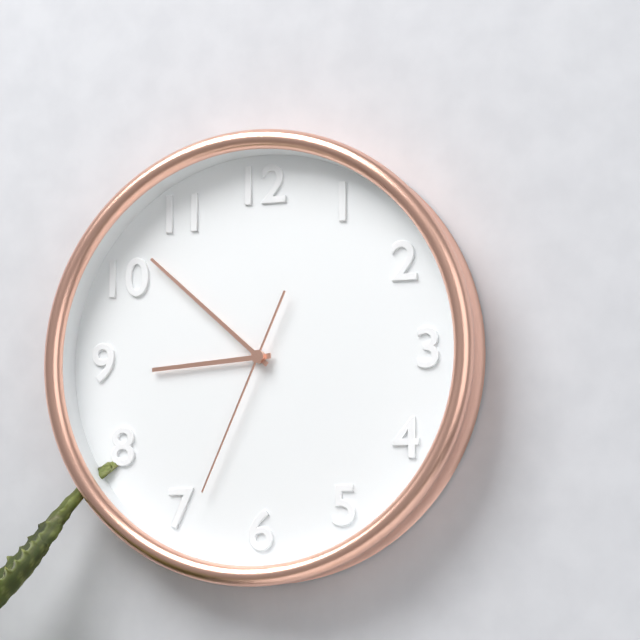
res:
8:52:34
